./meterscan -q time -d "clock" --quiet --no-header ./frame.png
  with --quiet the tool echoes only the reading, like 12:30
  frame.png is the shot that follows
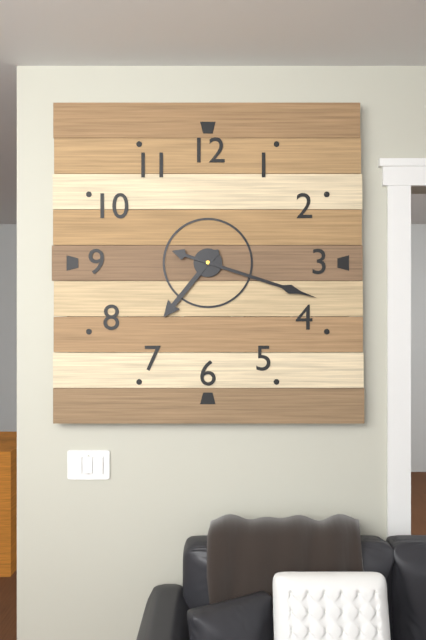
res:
7:18
